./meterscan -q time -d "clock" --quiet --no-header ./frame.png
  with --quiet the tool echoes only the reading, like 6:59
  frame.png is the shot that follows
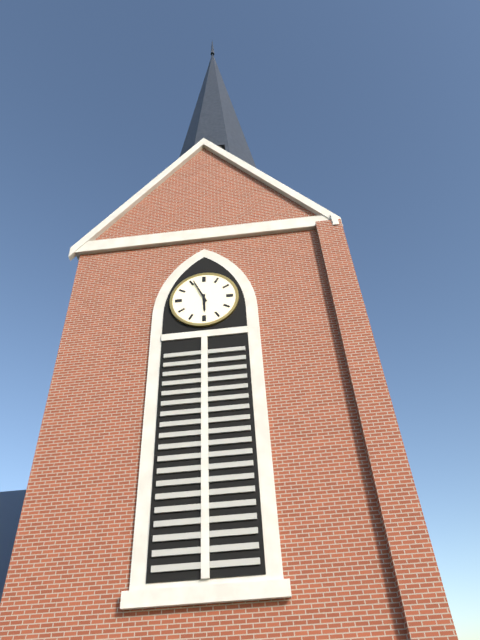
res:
5:56
